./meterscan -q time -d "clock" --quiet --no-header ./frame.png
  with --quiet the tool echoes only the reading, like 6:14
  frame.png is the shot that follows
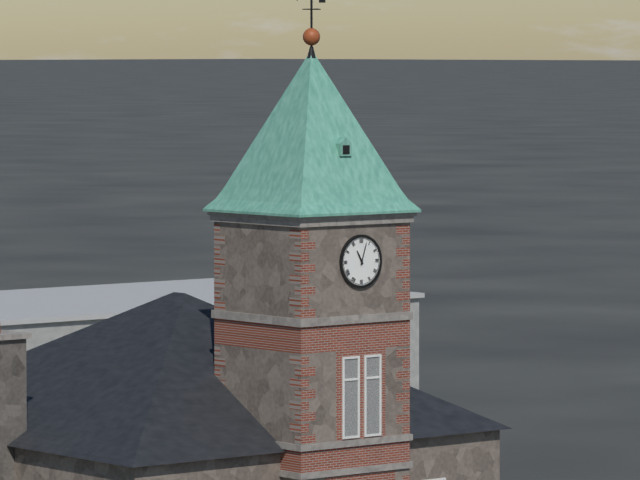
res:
11:03
